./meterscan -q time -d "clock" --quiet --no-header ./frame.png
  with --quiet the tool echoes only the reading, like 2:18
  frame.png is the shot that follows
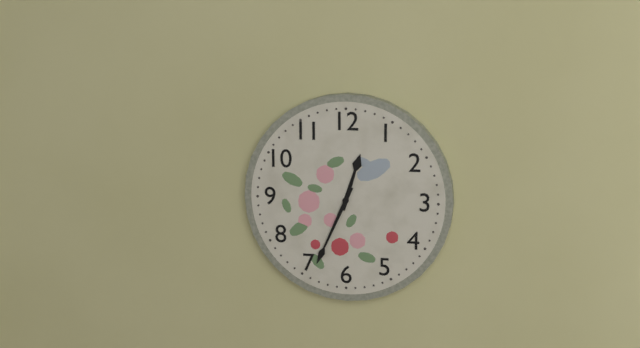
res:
12:34
